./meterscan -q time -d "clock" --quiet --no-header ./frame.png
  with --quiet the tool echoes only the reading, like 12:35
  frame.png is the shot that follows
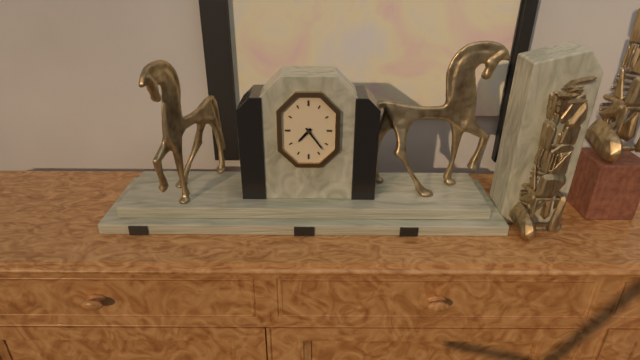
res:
7:24
